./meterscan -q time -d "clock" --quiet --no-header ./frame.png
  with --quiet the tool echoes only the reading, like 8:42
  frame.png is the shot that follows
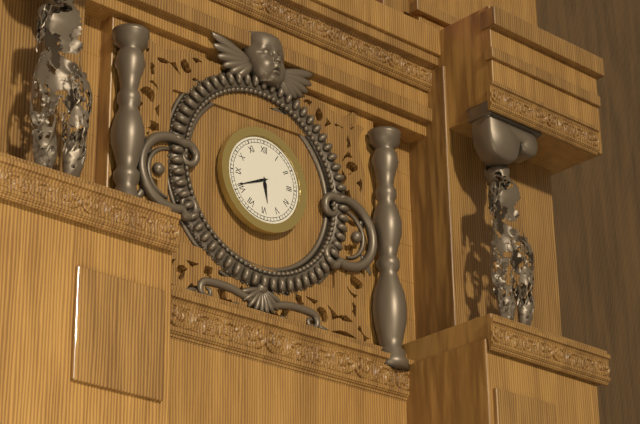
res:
5:41
